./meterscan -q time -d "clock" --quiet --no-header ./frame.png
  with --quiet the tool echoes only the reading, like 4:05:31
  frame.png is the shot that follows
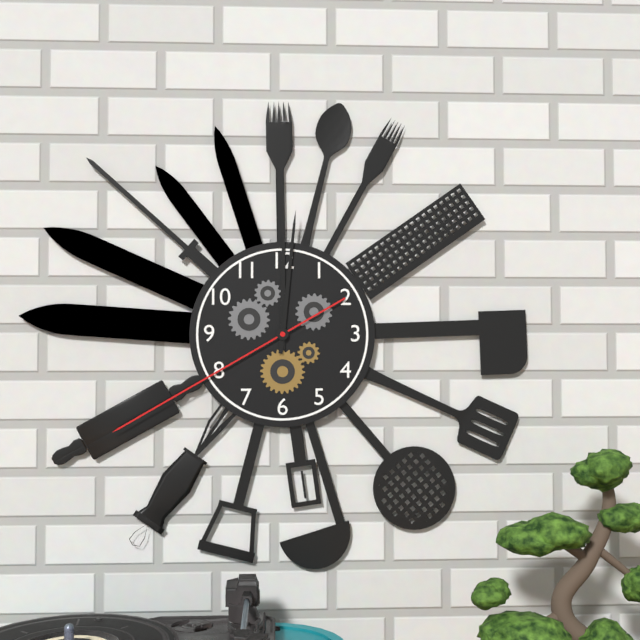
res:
12:01:40
